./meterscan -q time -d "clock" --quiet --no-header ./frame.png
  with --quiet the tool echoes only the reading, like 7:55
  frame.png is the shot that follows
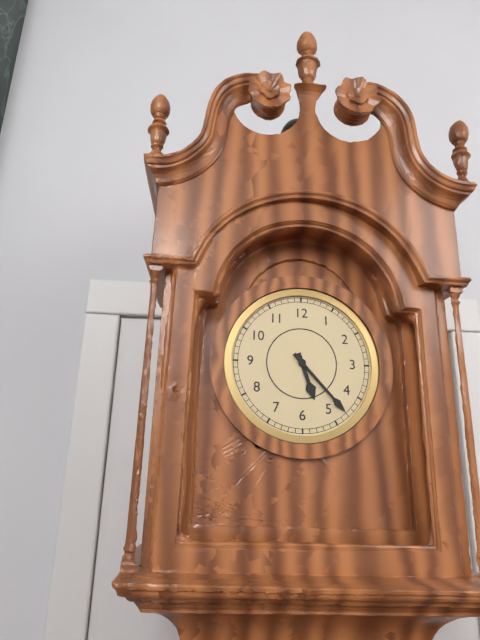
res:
5:23
